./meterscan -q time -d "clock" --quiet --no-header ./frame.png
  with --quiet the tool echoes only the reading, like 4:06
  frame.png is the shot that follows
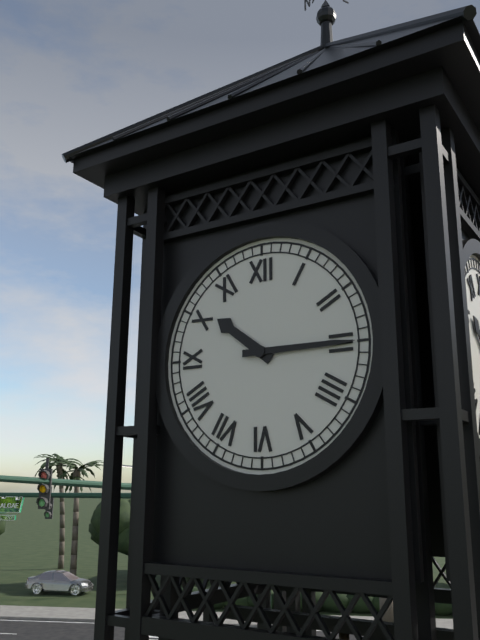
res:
10:15
